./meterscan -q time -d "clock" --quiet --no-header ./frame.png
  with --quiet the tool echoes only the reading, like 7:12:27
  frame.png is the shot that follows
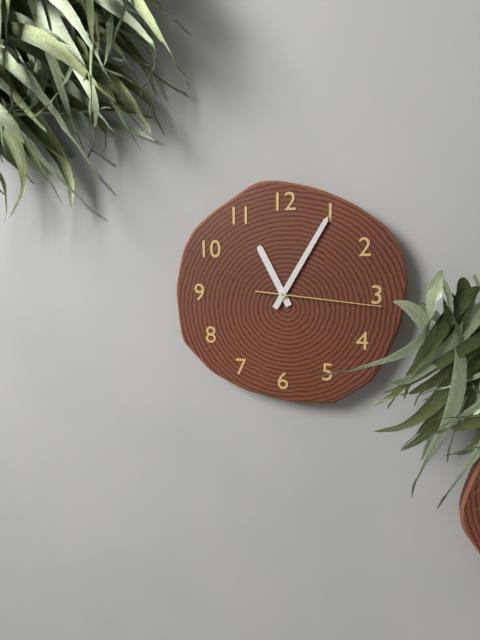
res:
11:05:16
